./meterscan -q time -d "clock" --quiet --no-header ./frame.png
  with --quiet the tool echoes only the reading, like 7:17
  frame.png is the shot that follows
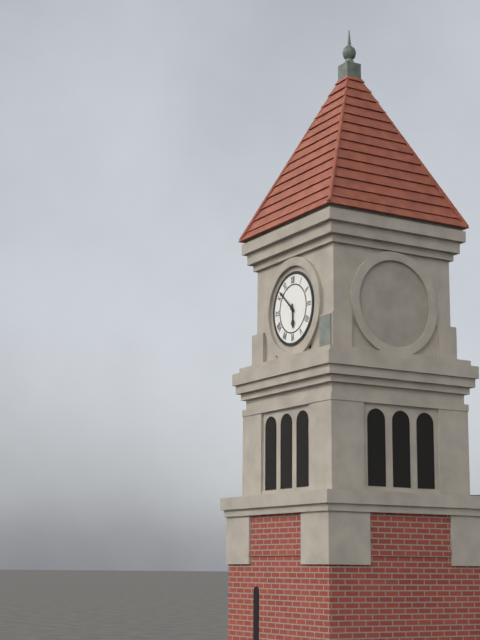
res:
5:52
